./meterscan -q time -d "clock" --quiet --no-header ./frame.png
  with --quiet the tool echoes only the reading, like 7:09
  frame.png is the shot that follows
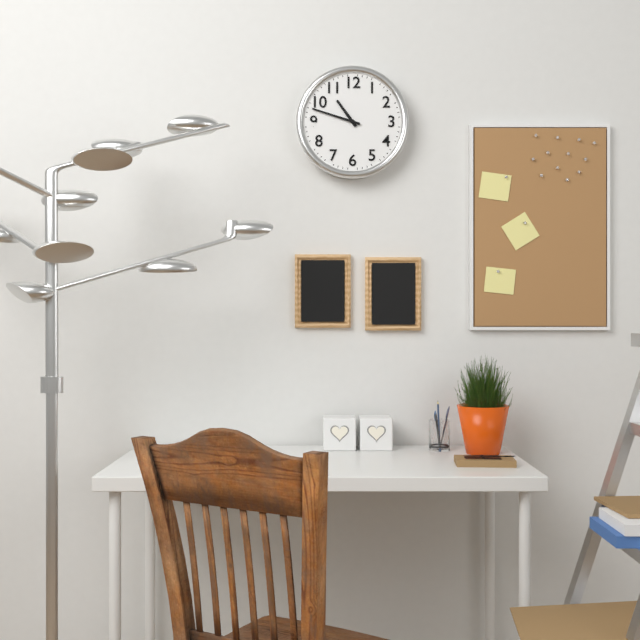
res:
10:48
